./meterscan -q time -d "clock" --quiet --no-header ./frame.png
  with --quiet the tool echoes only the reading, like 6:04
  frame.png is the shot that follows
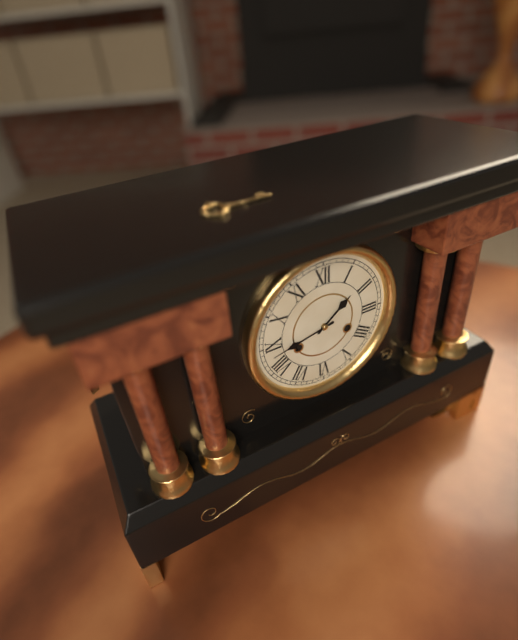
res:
1:43
